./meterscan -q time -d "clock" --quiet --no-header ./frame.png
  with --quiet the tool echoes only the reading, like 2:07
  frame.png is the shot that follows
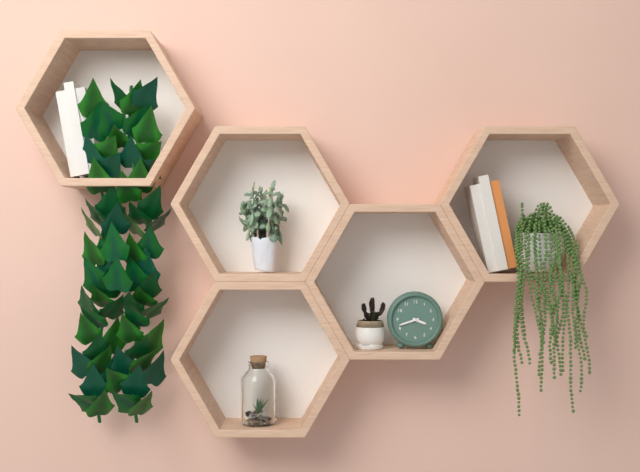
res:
3:42
